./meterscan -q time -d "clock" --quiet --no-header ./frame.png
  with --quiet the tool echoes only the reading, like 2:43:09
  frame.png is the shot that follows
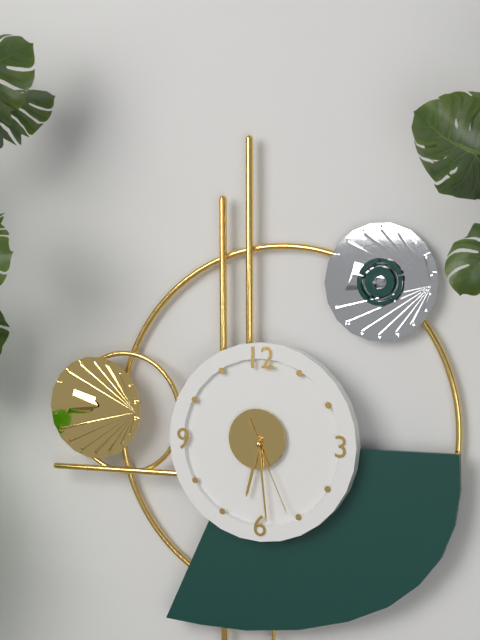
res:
6:29:26
